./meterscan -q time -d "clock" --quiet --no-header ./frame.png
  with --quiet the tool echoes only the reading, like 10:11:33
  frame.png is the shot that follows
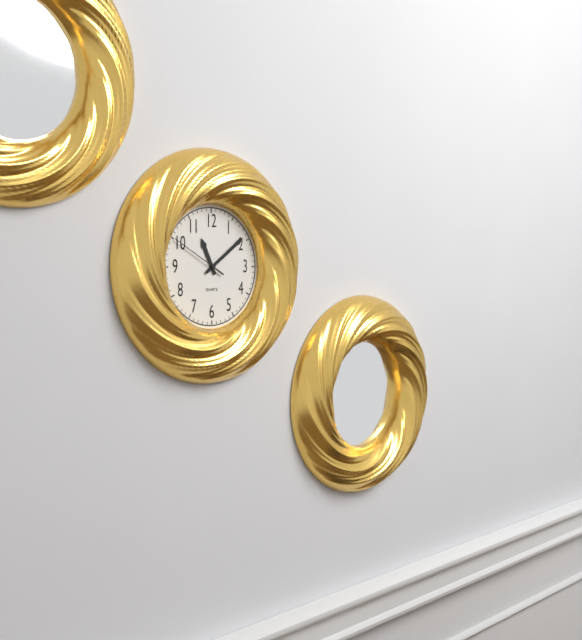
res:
11:09:50
